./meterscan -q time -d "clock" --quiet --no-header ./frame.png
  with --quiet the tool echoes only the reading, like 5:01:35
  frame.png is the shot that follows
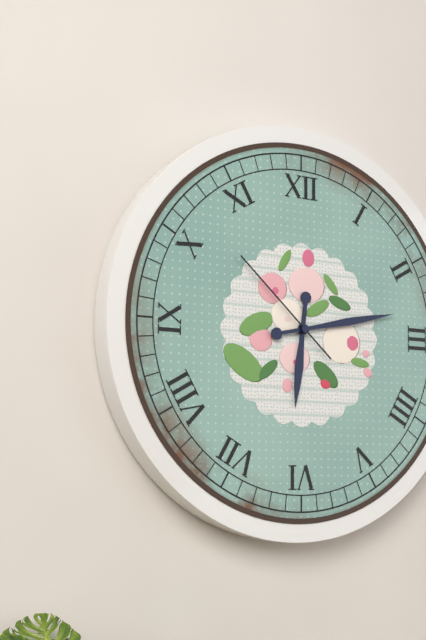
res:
6:13:52
